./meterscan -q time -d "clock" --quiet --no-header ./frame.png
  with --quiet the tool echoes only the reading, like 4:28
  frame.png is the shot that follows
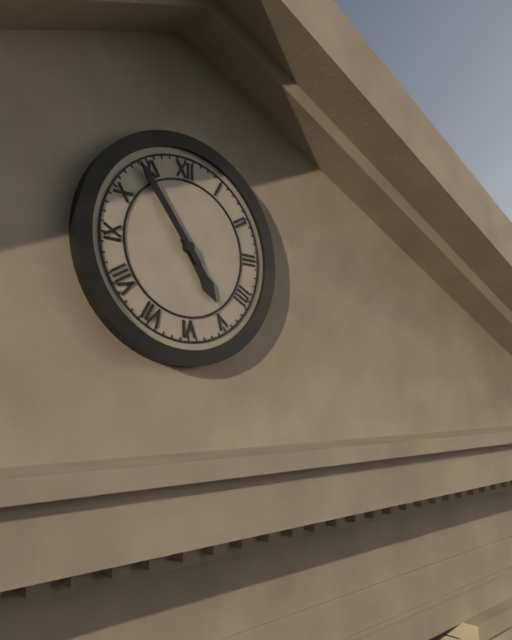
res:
4:54
